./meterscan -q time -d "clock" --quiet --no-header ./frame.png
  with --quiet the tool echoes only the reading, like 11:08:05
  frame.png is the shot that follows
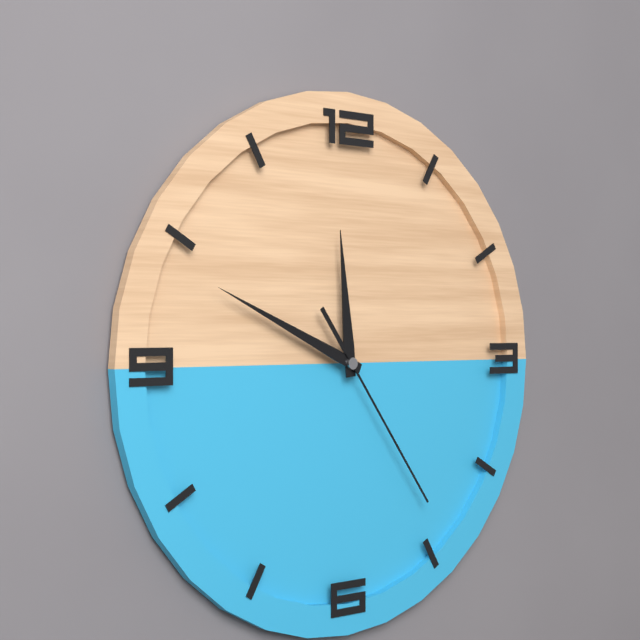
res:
11:49:24
